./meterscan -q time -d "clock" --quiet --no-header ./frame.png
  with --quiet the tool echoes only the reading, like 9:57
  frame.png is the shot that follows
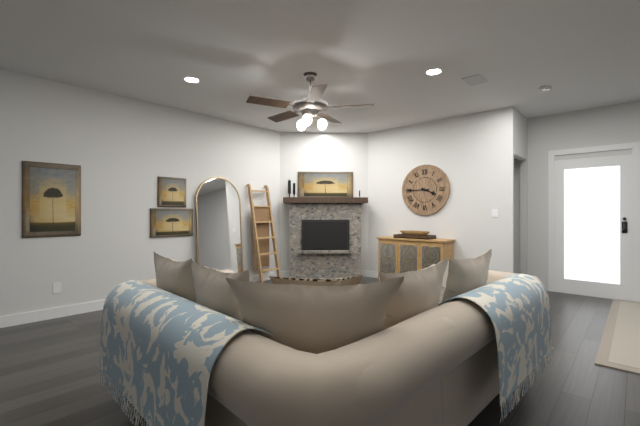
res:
3:45
